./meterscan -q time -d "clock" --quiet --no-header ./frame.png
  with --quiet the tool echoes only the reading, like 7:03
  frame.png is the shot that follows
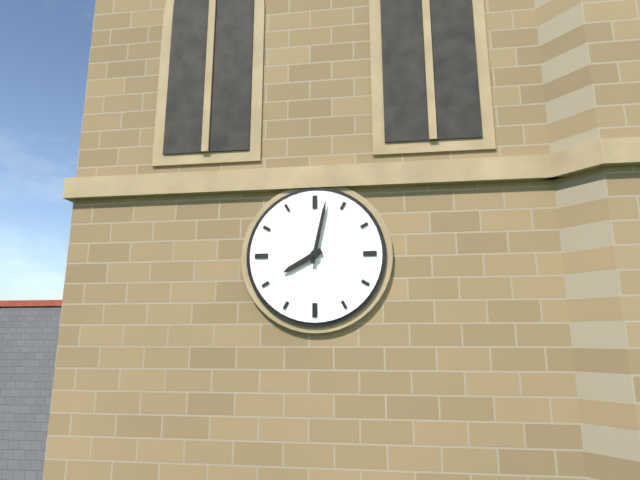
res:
8:02
